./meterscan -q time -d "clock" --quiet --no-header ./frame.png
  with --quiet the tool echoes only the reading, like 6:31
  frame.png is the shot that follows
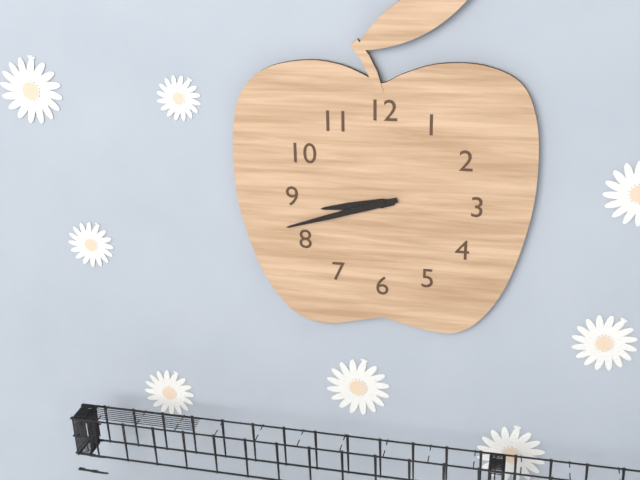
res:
8:42
